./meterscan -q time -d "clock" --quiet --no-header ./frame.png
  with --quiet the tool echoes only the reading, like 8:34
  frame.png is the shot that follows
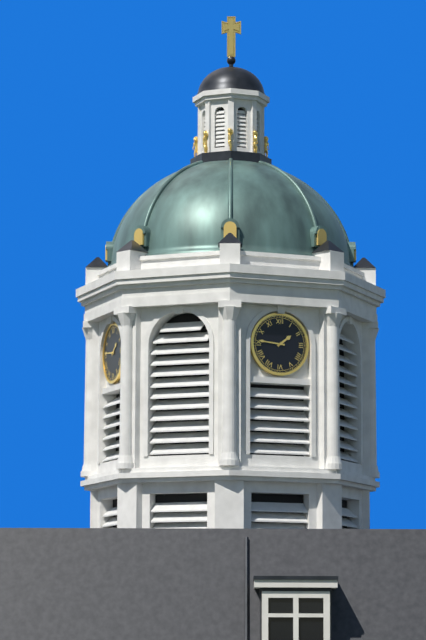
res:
1:46
